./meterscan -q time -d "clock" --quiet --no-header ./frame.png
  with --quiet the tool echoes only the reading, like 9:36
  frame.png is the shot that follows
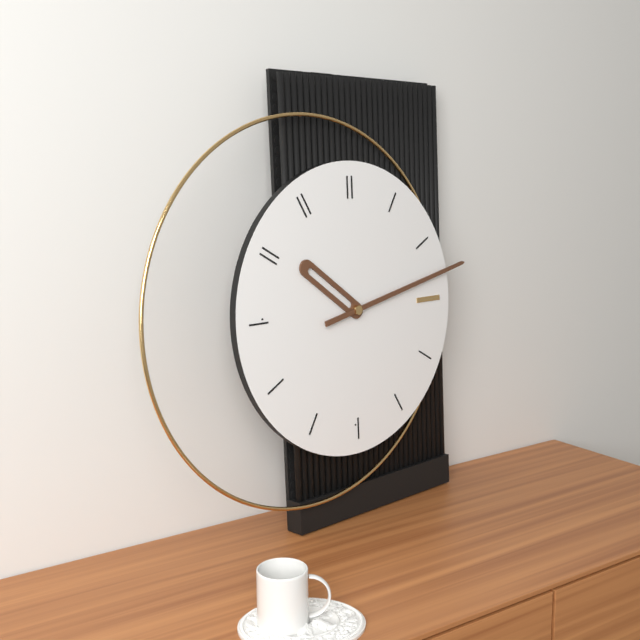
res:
10:13
